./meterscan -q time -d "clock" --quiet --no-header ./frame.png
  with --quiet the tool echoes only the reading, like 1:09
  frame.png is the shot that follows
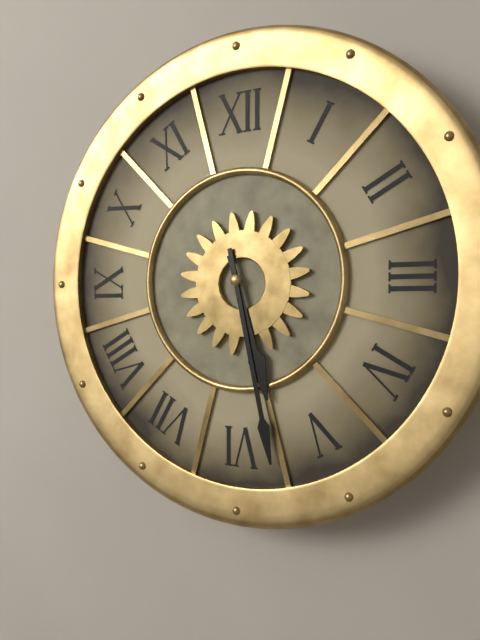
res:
5:28
